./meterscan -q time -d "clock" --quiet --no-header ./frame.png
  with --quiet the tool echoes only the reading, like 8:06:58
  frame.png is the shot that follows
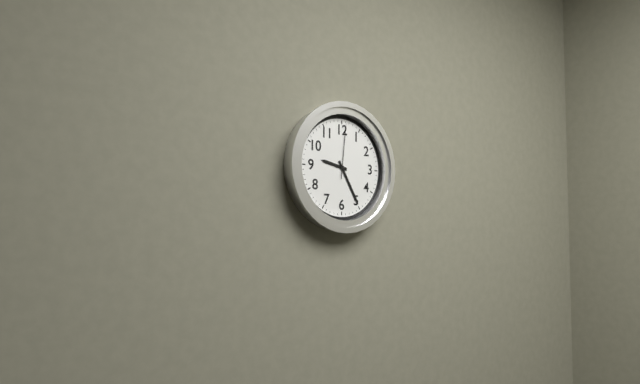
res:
9:25:01
